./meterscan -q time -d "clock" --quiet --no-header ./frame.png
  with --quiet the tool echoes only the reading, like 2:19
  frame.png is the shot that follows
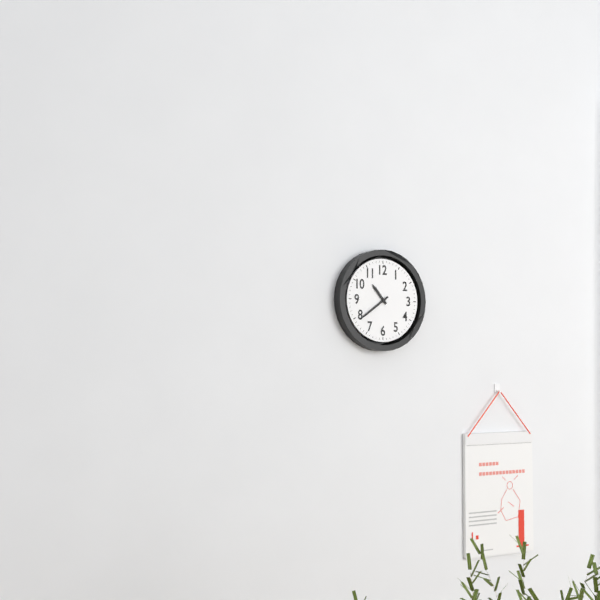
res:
10:39
